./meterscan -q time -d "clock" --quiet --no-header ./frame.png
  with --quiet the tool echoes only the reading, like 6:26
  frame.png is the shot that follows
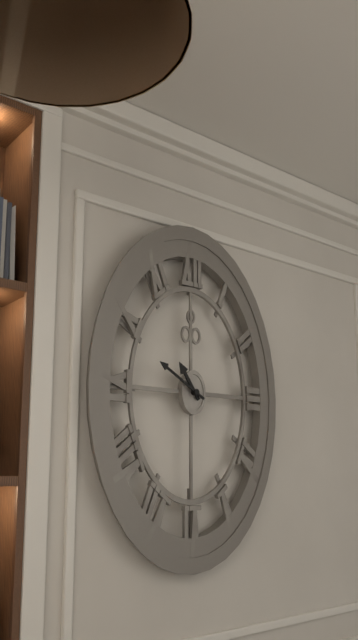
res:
10:50
